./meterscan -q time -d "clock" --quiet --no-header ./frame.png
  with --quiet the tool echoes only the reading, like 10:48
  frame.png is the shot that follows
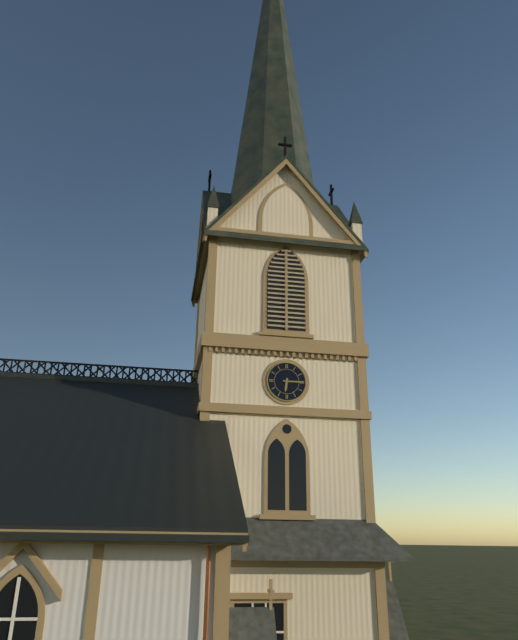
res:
6:15
